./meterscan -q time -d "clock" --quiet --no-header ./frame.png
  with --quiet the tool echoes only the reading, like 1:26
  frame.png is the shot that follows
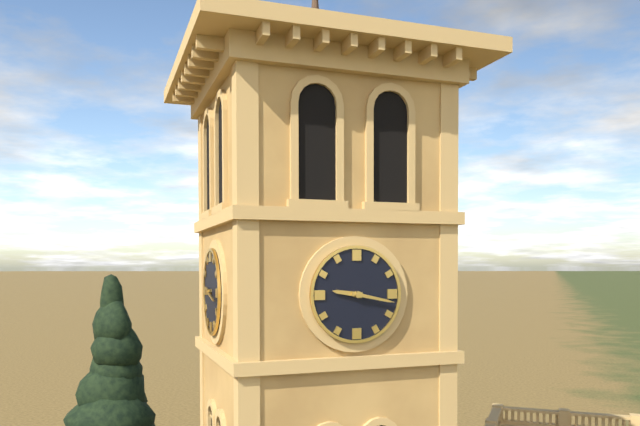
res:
9:17
